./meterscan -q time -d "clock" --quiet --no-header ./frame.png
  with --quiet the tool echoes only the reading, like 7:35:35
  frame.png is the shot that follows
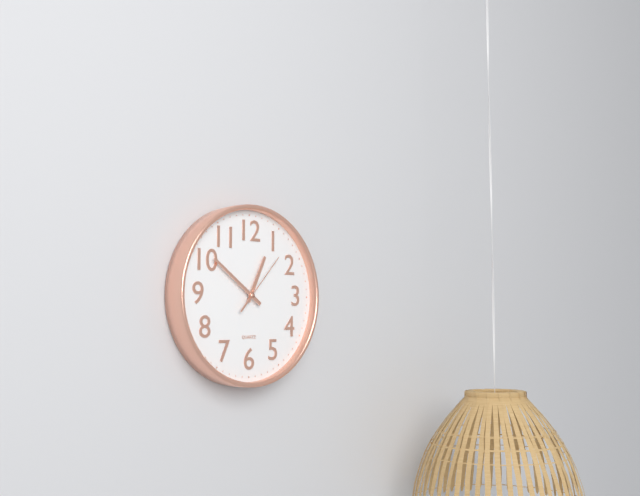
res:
12:51:07
